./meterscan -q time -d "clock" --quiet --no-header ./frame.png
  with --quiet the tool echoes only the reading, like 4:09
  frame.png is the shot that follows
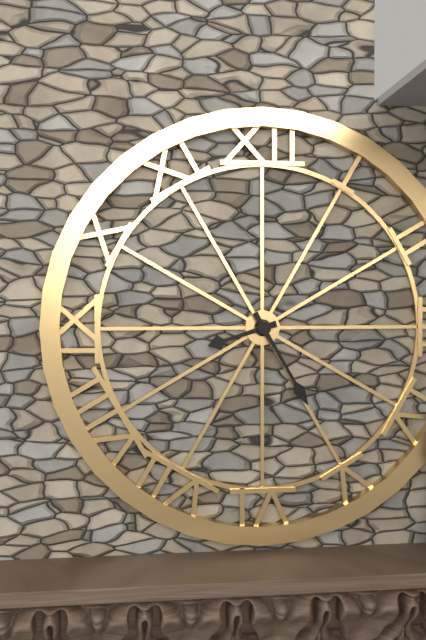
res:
8:25
